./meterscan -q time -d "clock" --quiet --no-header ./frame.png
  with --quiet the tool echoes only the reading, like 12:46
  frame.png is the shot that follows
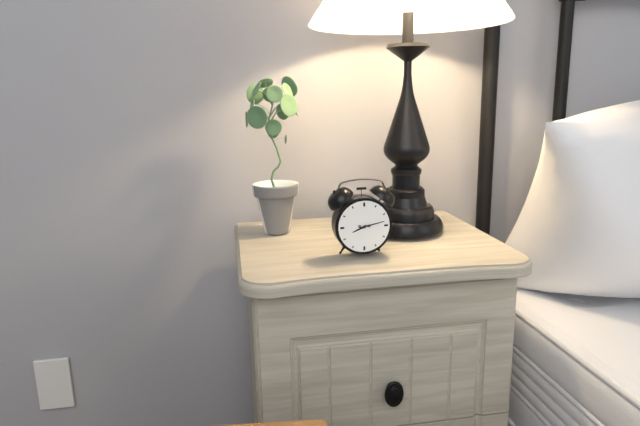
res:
8:13
